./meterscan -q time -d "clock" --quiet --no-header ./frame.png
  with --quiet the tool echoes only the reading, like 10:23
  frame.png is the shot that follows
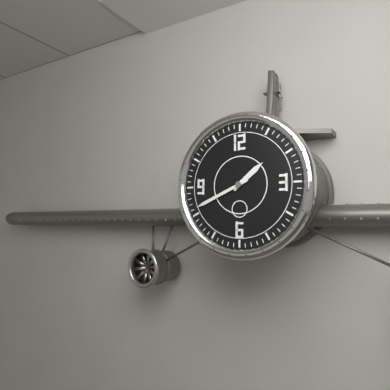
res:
1:41
